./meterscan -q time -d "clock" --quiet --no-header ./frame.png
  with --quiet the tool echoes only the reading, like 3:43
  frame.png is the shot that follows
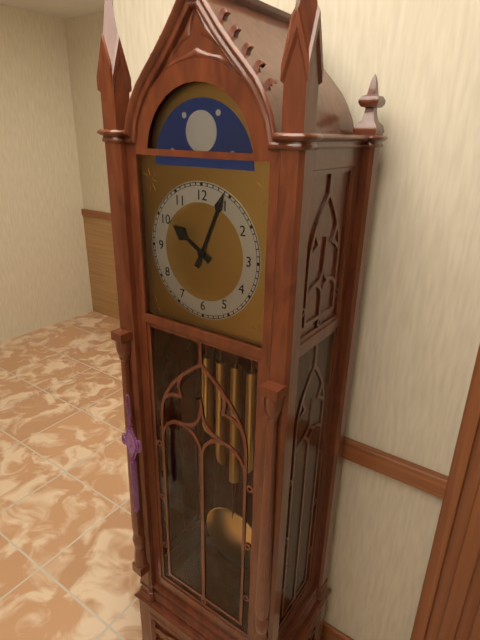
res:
10:04
